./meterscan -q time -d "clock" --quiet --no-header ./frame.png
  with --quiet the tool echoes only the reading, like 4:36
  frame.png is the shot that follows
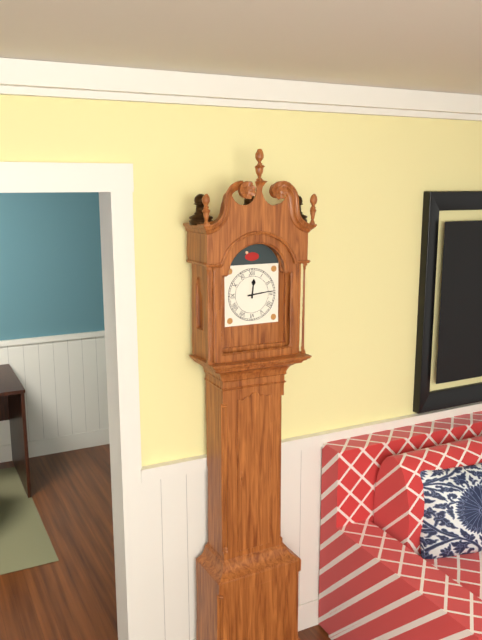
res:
12:14
